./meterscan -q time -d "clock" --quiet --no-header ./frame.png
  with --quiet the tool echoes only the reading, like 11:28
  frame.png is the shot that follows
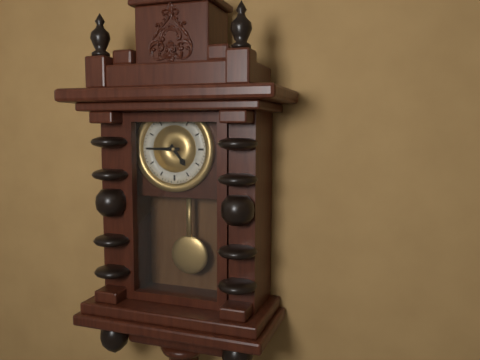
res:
4:45
